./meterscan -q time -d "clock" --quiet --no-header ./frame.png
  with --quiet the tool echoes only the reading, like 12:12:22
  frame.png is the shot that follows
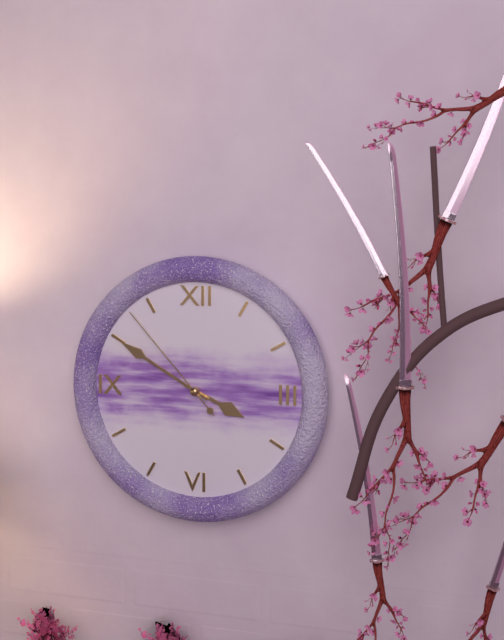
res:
3:50:53
